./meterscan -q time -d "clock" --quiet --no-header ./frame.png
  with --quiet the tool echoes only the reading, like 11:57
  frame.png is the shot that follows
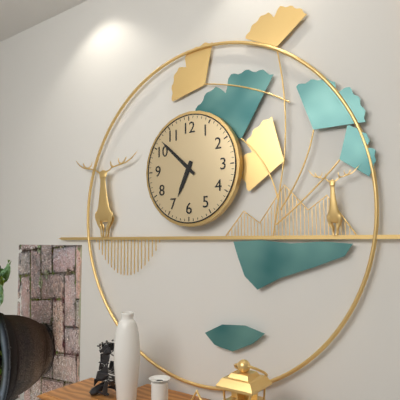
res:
6:52
